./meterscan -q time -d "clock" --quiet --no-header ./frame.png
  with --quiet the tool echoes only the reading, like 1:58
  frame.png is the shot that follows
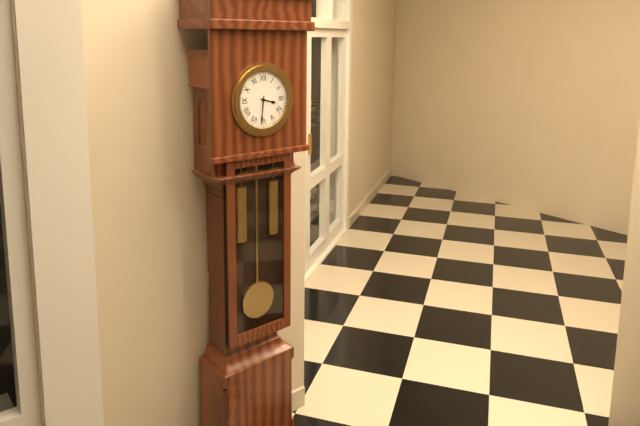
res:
3:31
